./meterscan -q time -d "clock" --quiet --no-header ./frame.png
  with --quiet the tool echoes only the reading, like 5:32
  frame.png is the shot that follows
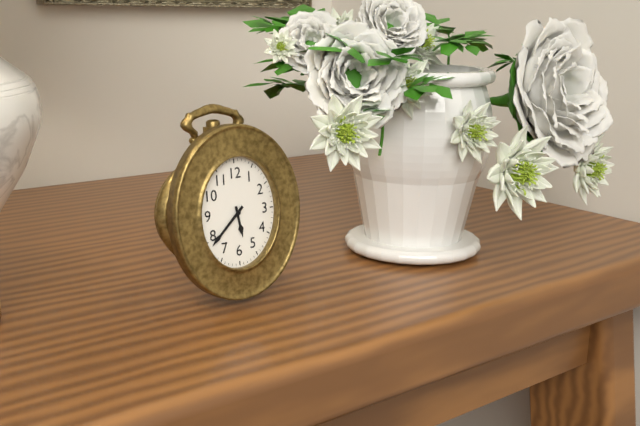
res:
5:38
